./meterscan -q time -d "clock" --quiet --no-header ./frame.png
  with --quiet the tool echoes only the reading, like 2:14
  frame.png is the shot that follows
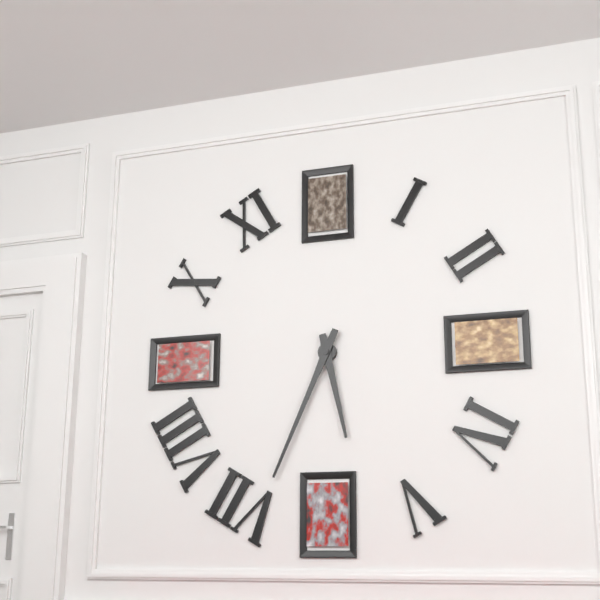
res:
5:34
